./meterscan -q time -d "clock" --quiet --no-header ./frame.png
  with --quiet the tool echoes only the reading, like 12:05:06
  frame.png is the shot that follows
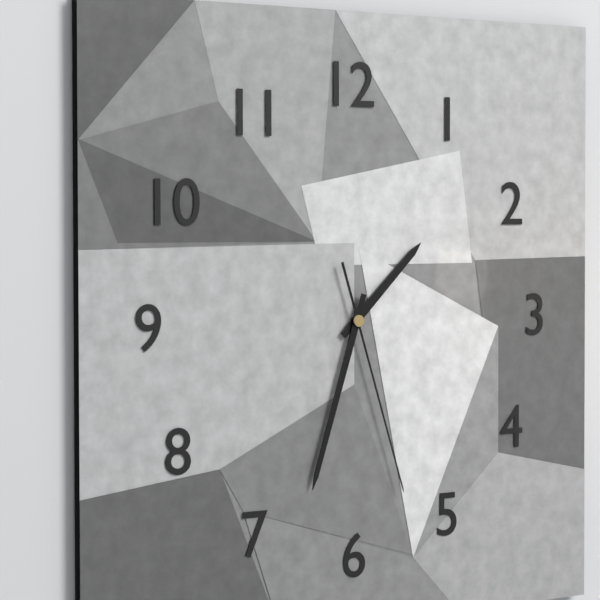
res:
1:33:27
